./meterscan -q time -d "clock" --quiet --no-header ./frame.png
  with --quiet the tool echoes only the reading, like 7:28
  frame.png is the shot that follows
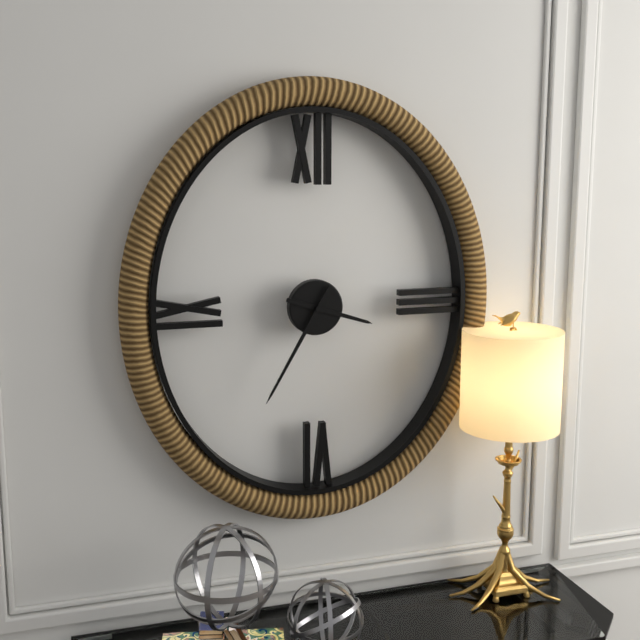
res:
3:35
